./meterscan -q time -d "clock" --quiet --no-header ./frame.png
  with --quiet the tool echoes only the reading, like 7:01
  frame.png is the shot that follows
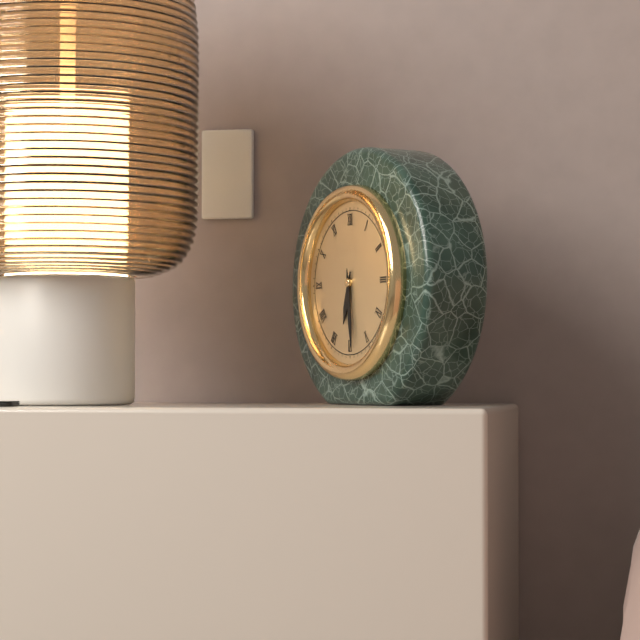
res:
6:29
